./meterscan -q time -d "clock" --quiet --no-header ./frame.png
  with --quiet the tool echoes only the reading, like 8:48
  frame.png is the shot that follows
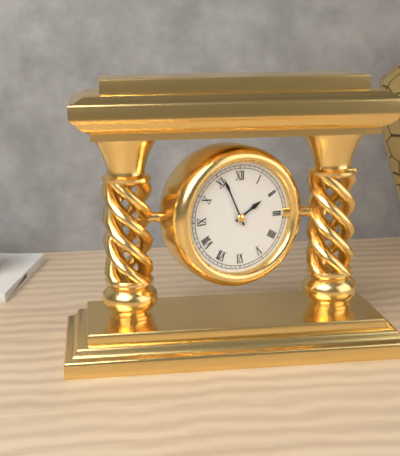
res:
1:56
